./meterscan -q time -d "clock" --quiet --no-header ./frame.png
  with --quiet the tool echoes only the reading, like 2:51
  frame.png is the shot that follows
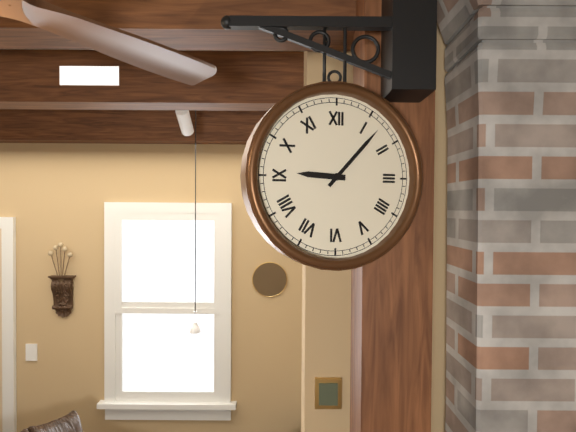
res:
9:07
